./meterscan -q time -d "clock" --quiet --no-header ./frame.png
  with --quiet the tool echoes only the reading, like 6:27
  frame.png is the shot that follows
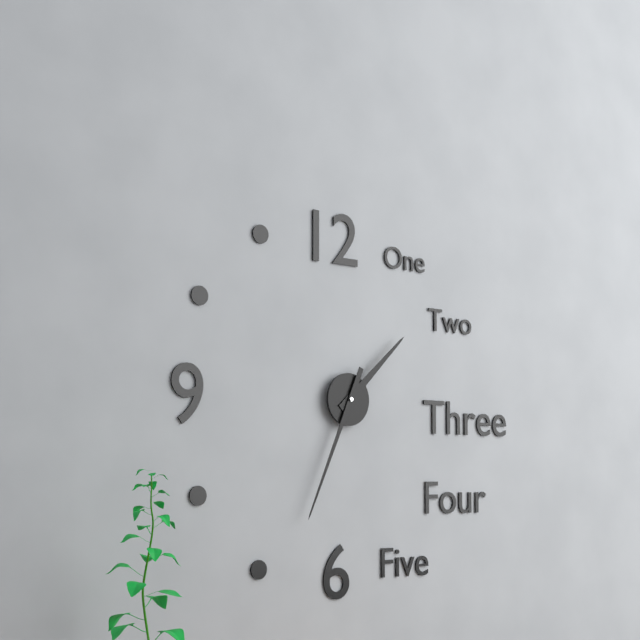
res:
1:34
